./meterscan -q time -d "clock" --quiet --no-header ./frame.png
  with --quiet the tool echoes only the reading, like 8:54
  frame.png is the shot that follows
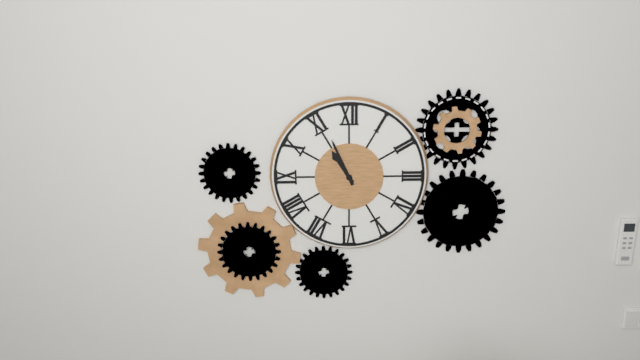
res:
10:56
